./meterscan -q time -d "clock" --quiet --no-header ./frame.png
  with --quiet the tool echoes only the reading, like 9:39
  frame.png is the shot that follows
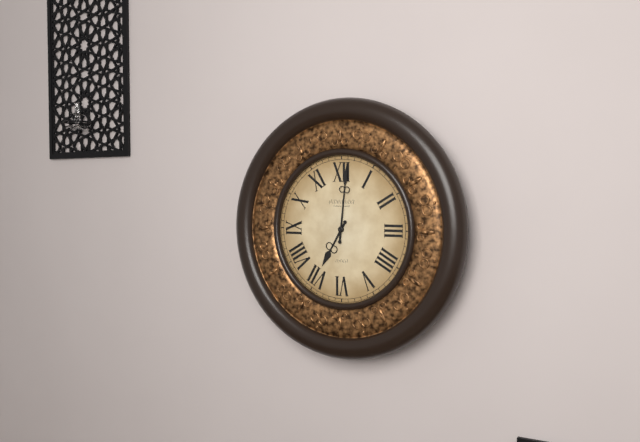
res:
7:01
